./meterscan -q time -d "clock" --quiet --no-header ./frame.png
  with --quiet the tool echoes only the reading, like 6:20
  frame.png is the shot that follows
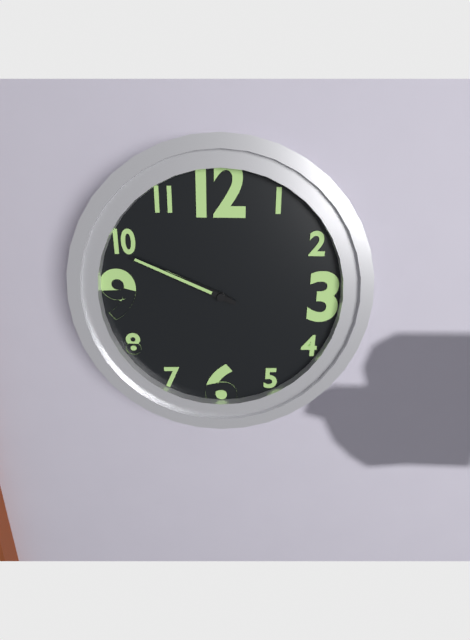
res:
9:49
